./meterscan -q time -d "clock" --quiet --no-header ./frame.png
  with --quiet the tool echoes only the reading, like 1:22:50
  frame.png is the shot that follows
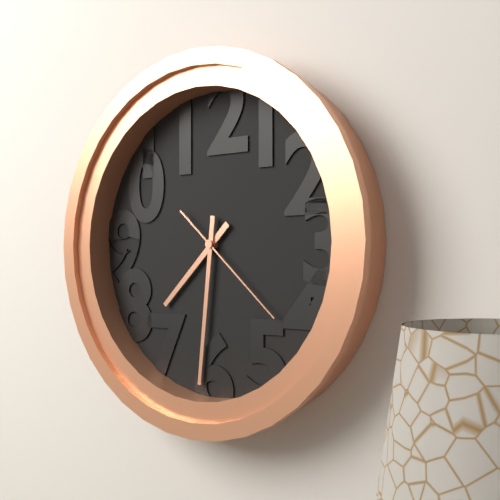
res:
7:31:22
